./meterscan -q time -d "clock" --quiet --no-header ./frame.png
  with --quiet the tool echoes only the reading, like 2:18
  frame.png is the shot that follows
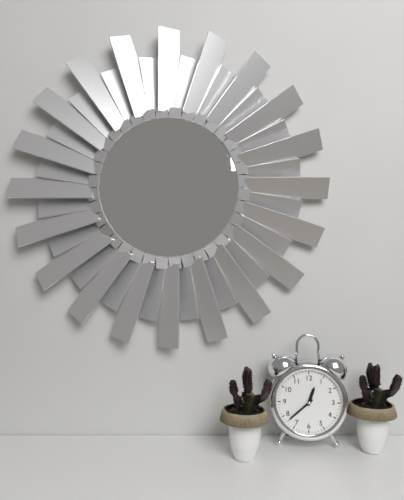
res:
12:38
